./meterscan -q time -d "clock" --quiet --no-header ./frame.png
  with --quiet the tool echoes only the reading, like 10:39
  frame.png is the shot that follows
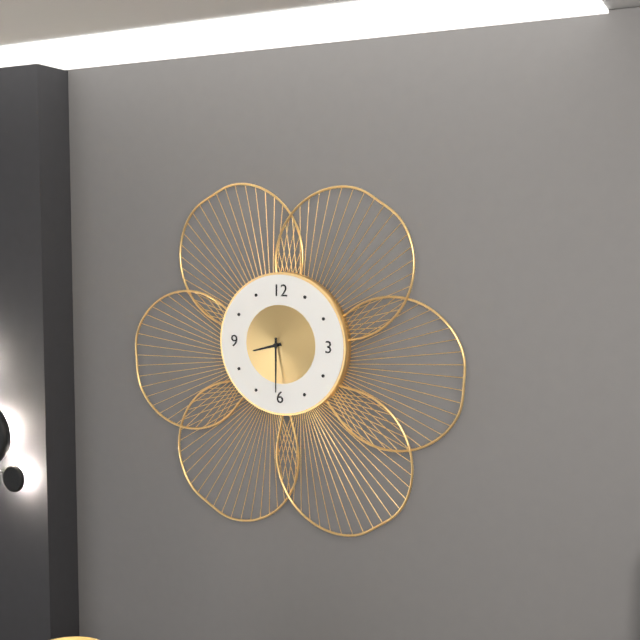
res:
8:30
